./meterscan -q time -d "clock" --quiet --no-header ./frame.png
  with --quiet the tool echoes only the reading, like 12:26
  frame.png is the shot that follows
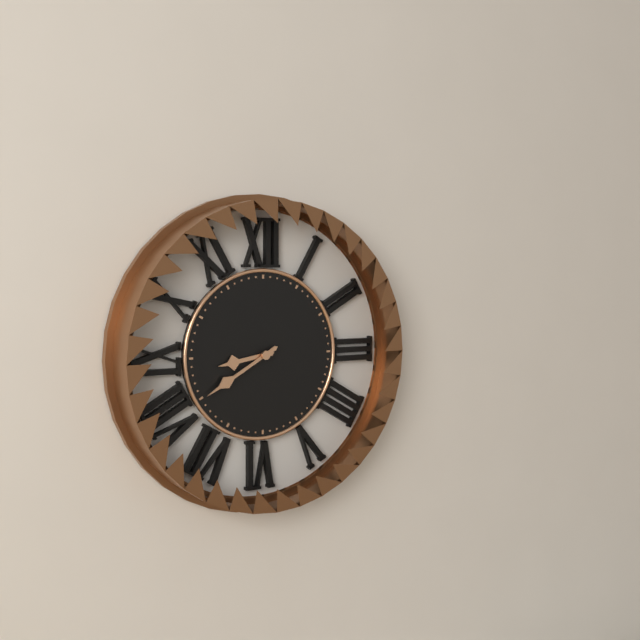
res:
8:40
